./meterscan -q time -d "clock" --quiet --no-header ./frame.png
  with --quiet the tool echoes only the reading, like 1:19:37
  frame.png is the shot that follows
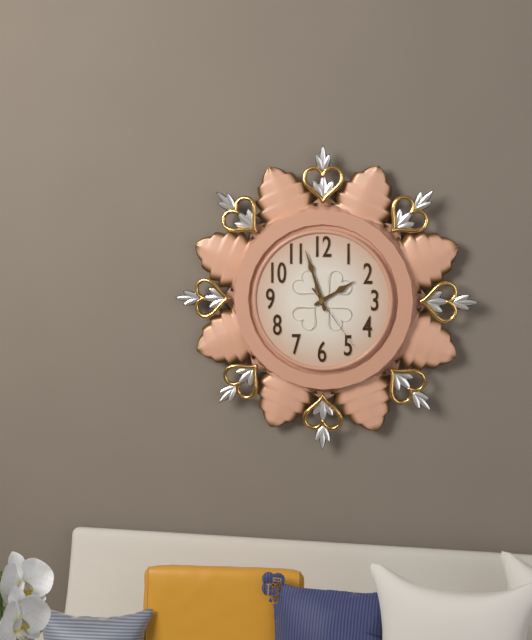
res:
1:57:24
